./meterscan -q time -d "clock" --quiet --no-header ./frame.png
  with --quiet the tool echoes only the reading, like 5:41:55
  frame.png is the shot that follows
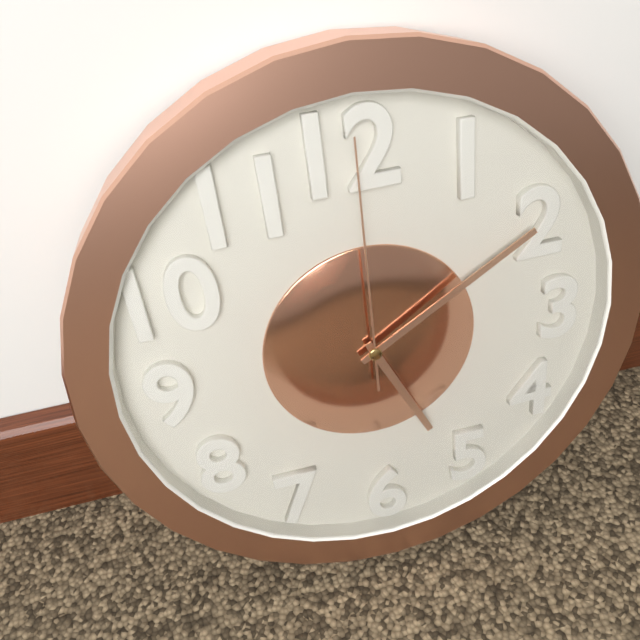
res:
5:10:00
